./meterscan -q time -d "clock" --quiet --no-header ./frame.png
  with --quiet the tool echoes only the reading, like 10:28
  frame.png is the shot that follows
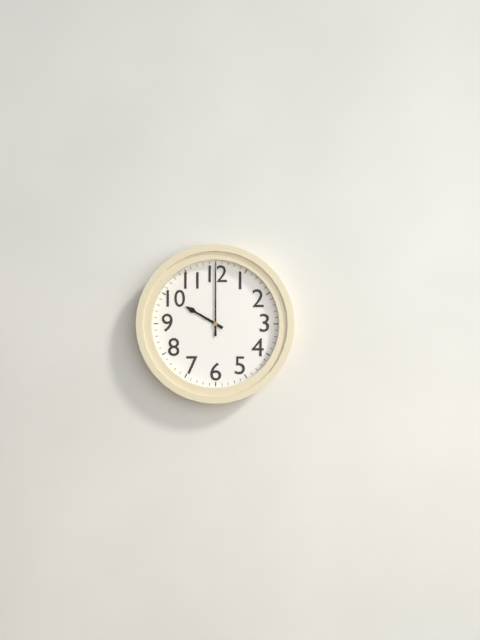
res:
10:00
